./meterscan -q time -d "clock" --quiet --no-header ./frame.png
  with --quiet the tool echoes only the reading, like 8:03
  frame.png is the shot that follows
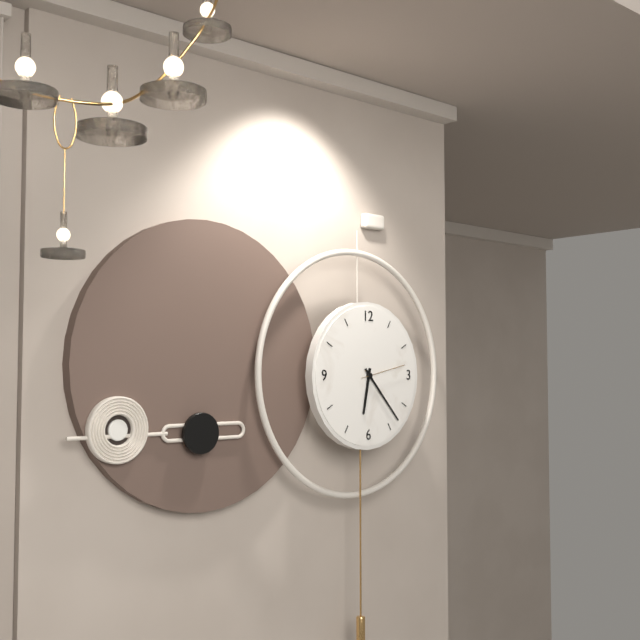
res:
6:23
